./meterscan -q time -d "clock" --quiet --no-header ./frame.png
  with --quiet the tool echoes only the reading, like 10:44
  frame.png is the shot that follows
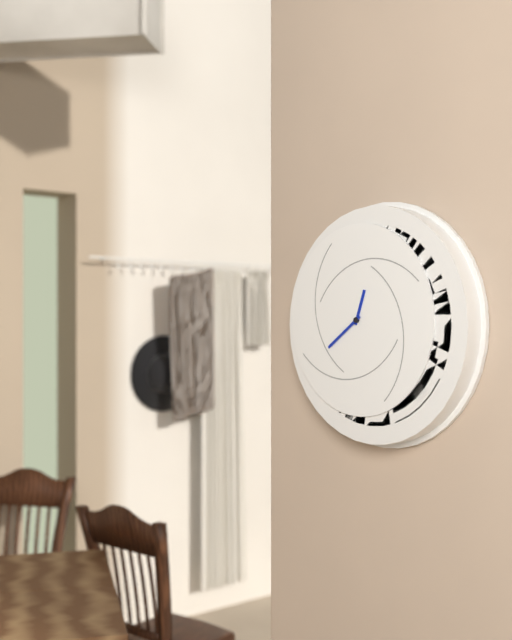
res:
12:39
